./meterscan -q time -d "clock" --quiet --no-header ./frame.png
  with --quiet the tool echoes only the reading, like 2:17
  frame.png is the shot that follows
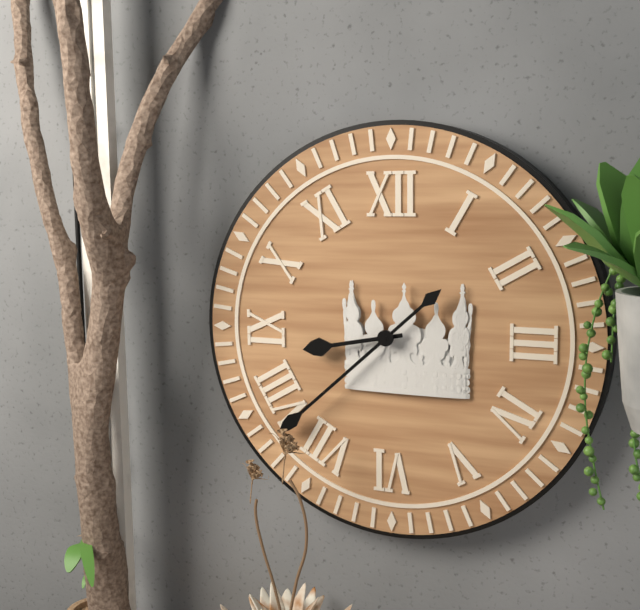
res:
8:38
